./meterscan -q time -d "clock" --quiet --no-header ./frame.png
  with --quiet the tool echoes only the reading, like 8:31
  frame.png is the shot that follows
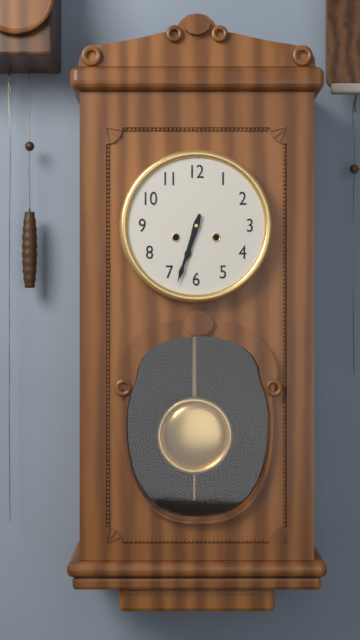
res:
6:33
